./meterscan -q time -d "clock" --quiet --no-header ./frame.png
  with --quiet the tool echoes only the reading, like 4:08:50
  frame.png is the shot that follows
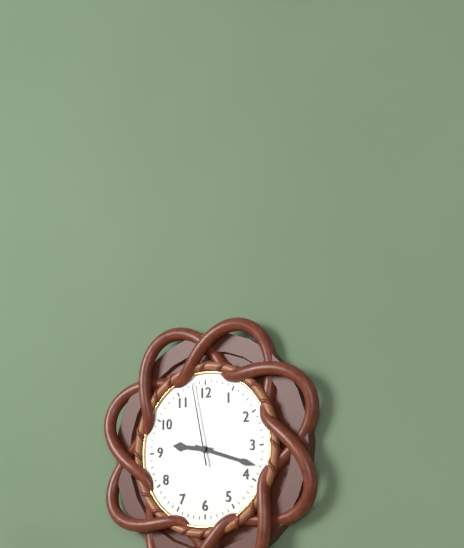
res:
9:18:58
